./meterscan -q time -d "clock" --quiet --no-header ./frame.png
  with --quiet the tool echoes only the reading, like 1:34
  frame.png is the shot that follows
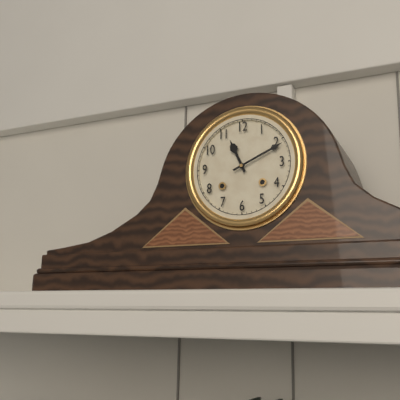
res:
11:11
